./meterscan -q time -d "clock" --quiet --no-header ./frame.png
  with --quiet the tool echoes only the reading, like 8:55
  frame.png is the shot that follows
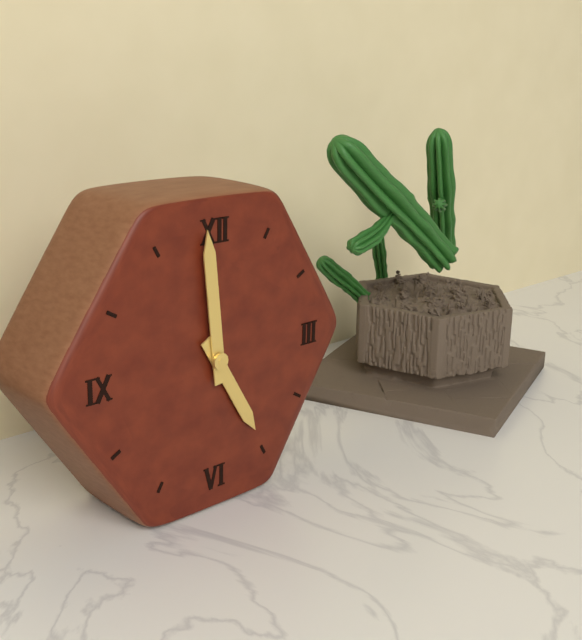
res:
4:59
